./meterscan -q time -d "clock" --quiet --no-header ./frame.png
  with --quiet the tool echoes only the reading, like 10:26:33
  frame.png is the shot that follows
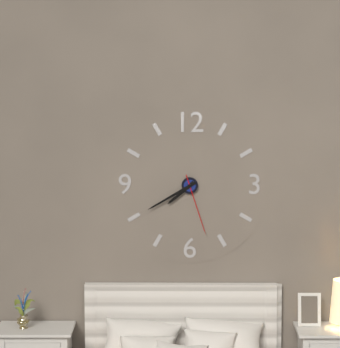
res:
7:40:27
